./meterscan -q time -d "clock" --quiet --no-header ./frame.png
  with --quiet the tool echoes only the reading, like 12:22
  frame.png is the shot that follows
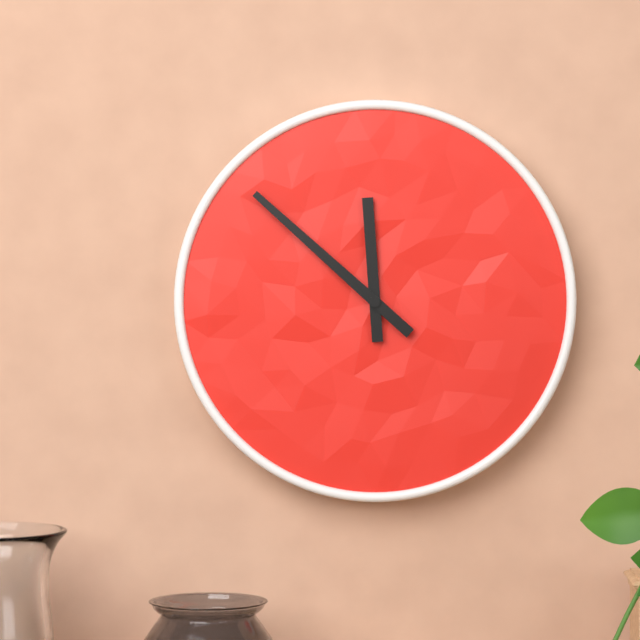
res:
11:52
